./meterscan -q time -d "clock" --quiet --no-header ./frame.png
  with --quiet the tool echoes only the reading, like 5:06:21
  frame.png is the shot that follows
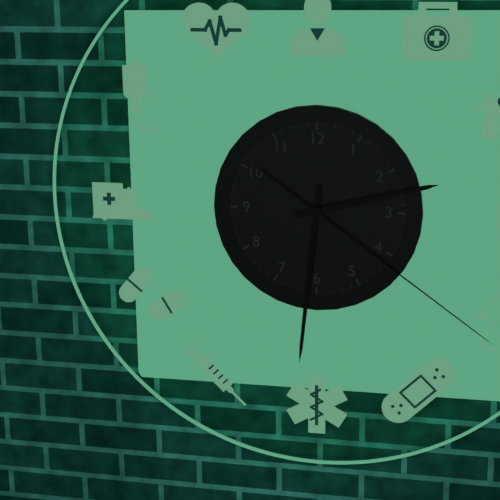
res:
2:31:21
